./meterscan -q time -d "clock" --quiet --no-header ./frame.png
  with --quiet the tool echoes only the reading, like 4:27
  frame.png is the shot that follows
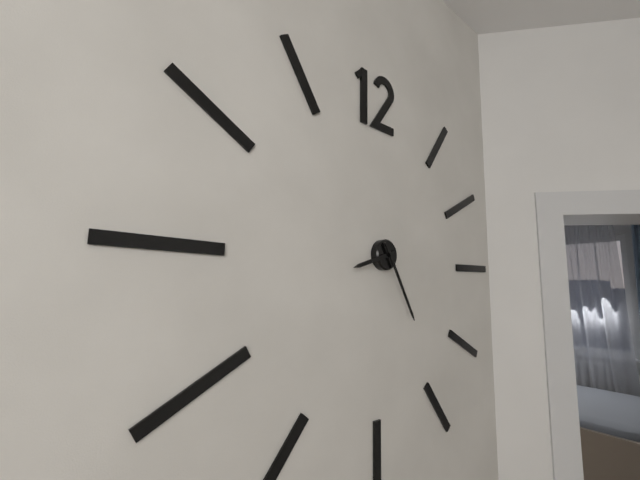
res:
8:25
